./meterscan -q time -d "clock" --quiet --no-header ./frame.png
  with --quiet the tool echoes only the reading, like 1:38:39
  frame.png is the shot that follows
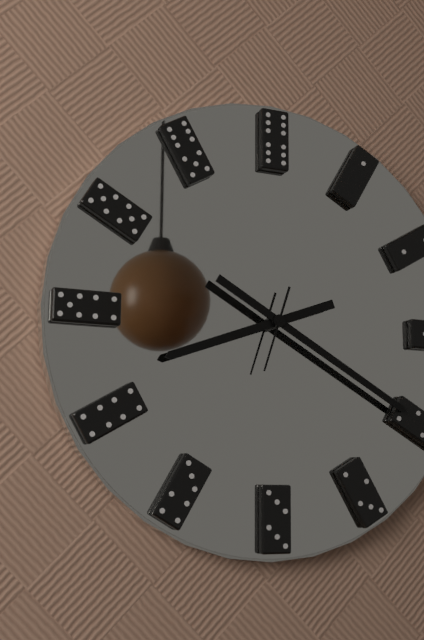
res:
8:20:33
